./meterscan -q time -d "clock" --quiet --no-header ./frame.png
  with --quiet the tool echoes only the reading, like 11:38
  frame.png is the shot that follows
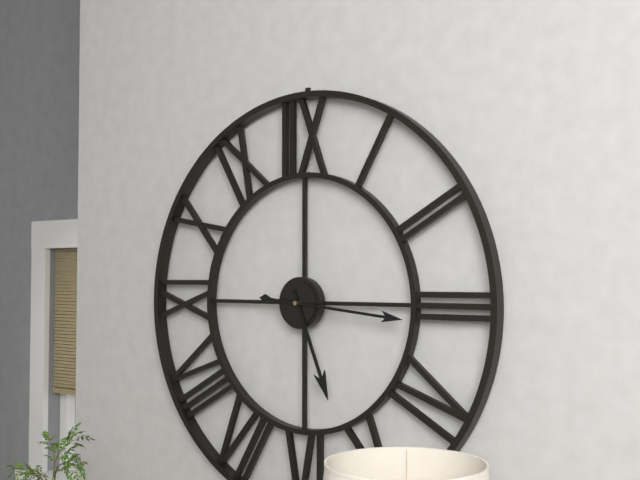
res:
5:16
